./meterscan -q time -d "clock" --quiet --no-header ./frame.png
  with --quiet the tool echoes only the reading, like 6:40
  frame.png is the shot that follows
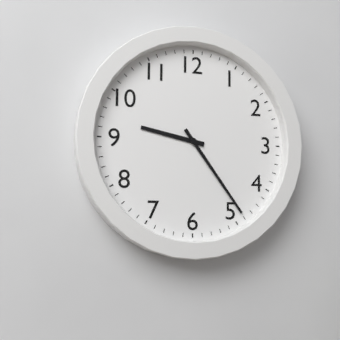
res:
9:24
